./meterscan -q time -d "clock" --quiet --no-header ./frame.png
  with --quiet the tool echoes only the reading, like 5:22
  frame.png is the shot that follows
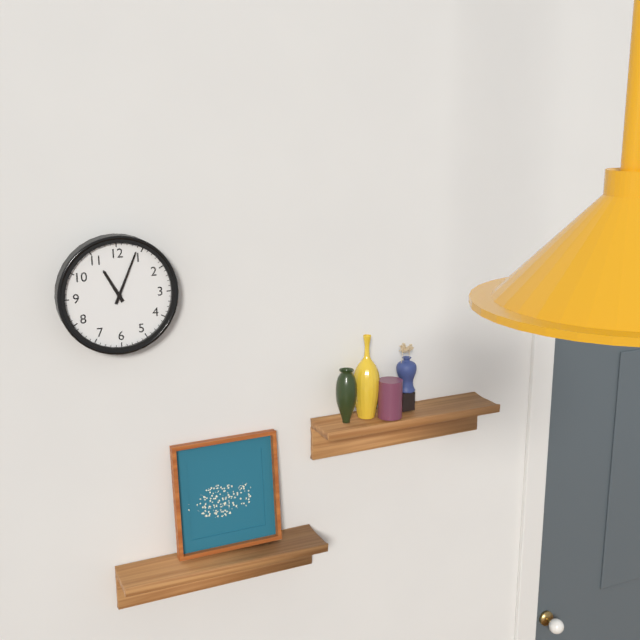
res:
11:04
